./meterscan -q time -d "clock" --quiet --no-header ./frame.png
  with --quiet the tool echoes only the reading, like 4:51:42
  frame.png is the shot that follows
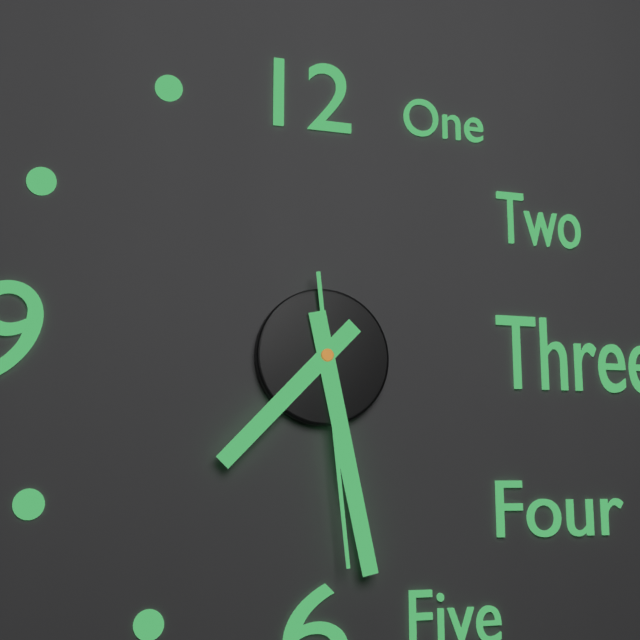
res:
7:28:29
